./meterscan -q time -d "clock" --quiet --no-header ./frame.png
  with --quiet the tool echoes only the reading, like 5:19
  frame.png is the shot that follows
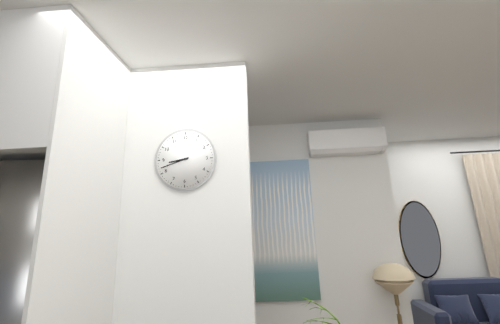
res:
8:42
